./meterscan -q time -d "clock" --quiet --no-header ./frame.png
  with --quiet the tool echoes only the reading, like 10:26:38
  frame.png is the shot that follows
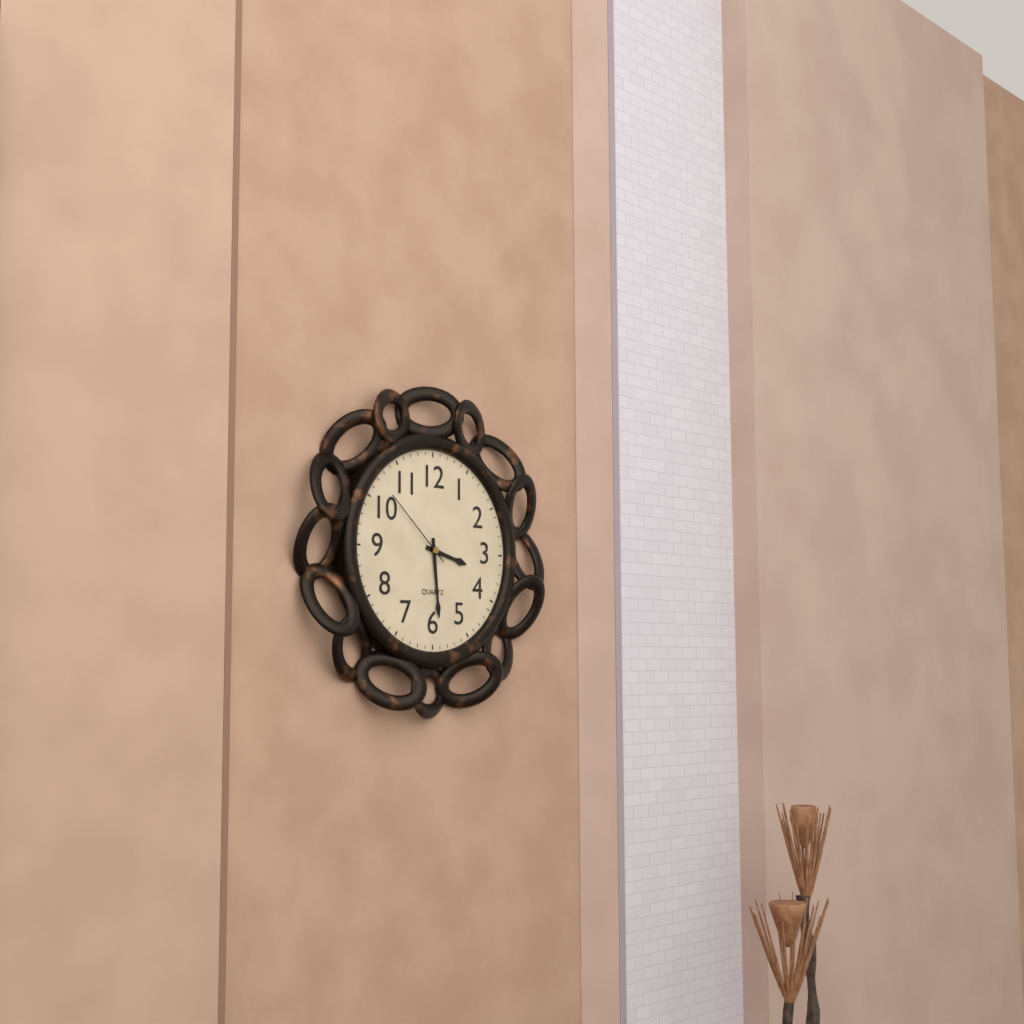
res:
3:29:52
